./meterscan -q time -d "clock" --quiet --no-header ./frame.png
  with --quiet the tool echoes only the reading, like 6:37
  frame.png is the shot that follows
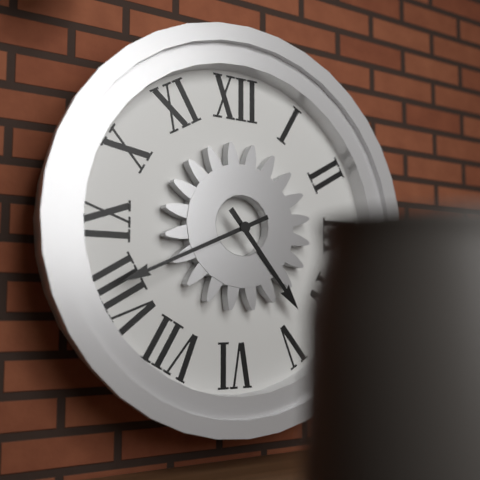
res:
4:41
